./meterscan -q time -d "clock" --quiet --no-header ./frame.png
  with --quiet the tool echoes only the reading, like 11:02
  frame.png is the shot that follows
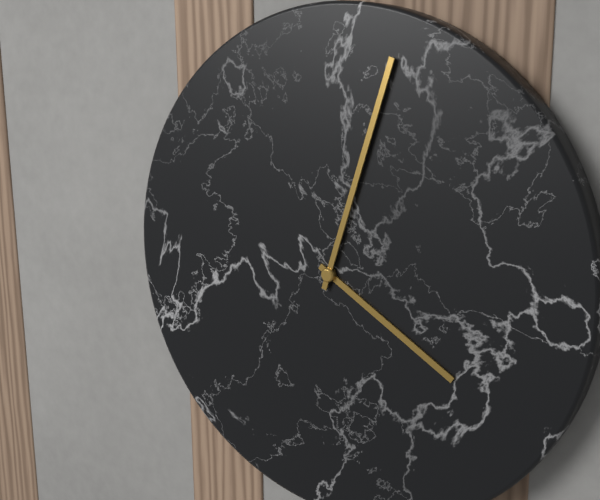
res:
4:03
